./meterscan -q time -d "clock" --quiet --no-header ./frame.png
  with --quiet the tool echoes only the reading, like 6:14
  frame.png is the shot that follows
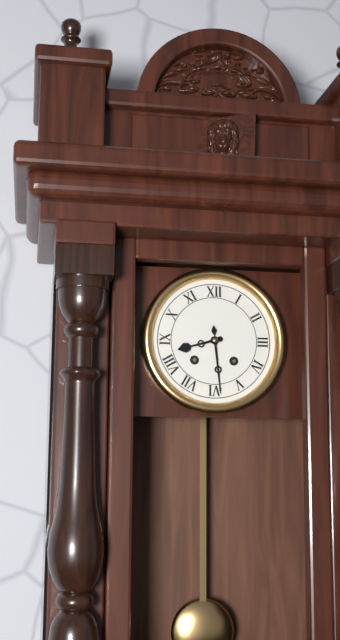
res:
8:29
